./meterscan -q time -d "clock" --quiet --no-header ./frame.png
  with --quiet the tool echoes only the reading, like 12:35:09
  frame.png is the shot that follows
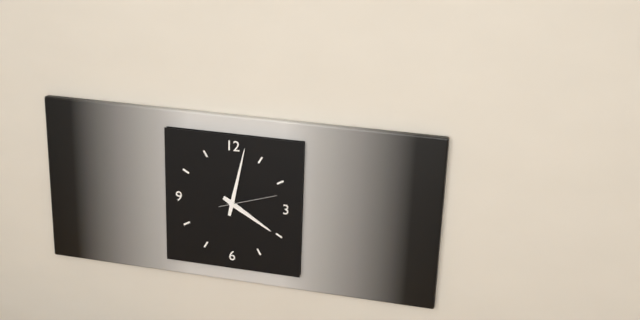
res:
4:02:12
